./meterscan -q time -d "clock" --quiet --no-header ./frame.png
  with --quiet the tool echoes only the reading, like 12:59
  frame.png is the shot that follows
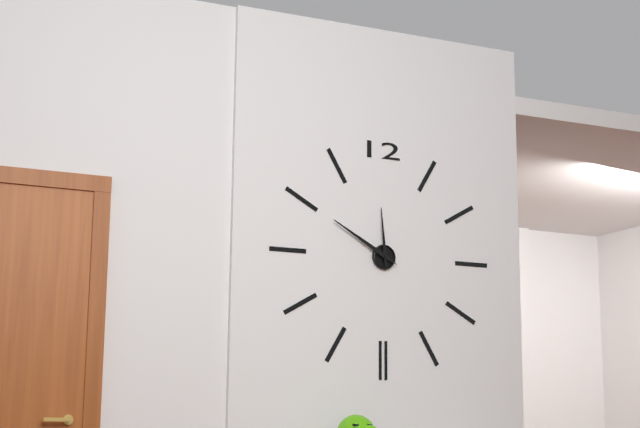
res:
11:50
